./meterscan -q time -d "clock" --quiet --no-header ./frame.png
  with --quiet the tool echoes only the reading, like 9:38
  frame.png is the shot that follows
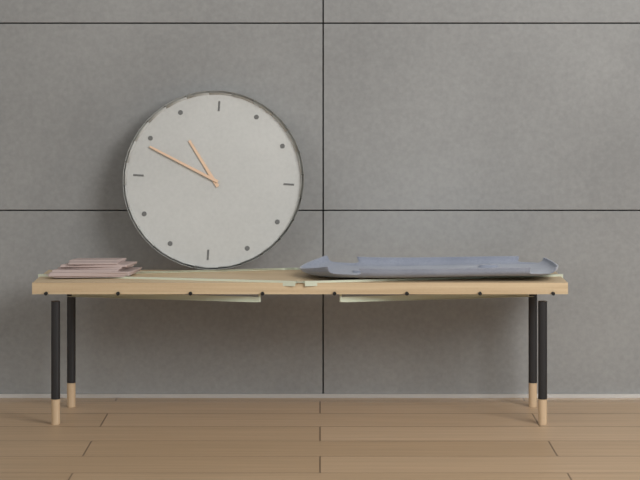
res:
10:49
